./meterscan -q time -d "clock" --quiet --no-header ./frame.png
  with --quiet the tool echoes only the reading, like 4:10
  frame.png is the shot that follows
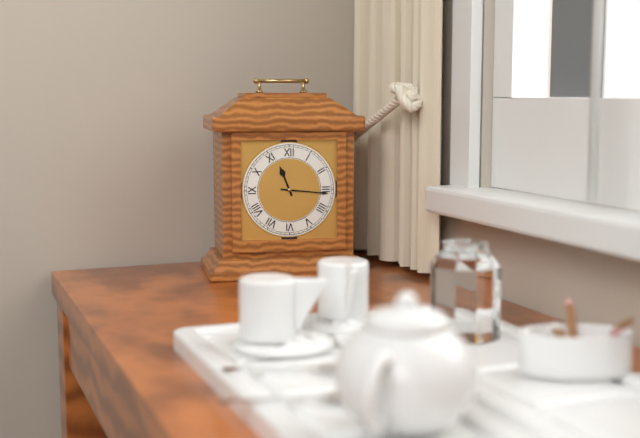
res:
11:16
